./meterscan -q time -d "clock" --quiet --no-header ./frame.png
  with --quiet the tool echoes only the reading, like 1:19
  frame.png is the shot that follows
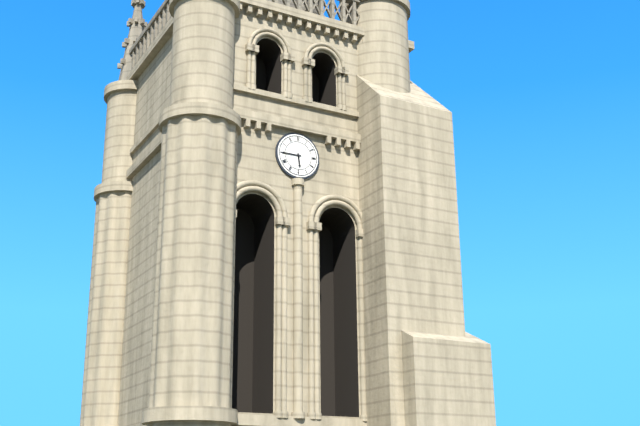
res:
5:45
